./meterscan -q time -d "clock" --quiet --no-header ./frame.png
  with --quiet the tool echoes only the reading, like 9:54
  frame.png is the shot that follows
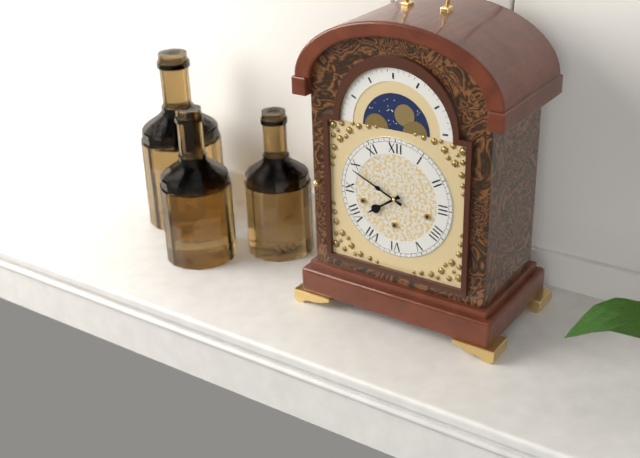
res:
7:49
